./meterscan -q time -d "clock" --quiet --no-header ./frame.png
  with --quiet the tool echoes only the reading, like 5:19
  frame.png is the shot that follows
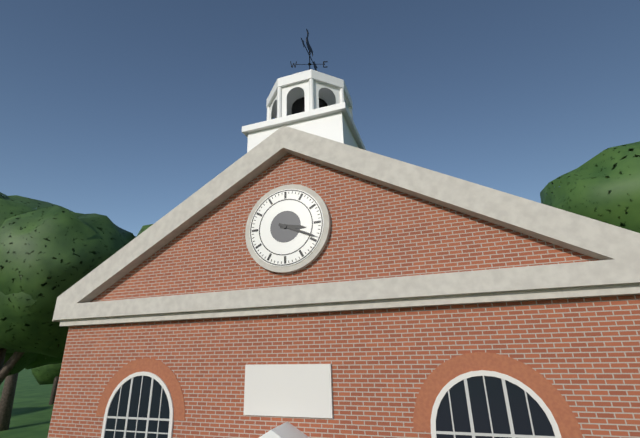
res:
3:19
